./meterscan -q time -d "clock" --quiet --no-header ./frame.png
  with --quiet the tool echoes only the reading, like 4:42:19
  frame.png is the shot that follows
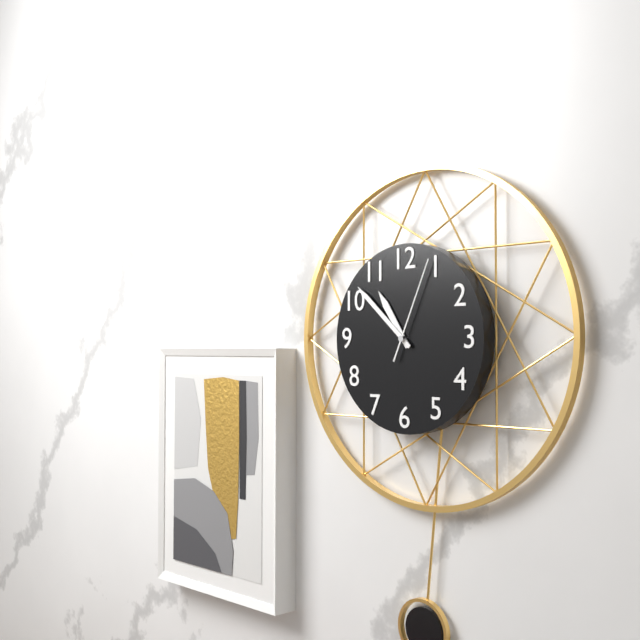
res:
10:52:04
